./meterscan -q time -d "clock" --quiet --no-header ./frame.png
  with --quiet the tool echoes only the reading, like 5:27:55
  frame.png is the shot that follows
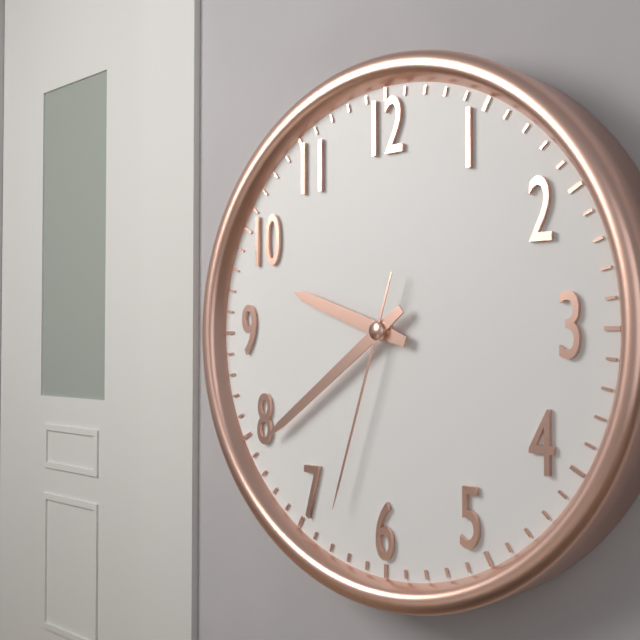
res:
9:39:33
